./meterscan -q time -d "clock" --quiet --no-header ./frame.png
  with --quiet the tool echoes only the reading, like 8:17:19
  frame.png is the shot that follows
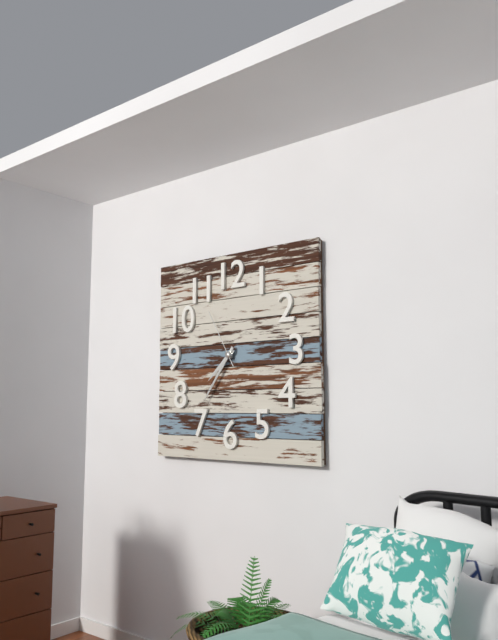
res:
7:36:55
